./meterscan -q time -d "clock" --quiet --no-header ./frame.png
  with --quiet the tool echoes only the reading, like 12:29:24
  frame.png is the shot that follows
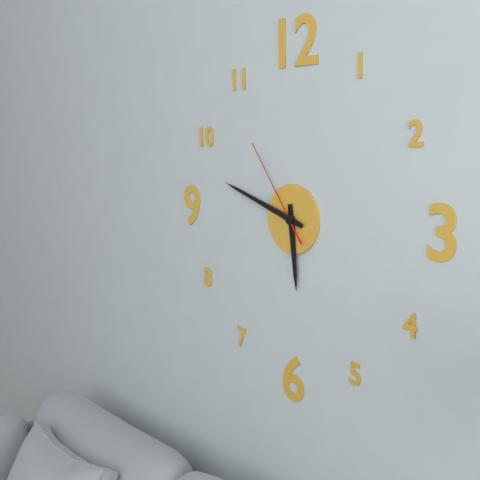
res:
5:48:54
